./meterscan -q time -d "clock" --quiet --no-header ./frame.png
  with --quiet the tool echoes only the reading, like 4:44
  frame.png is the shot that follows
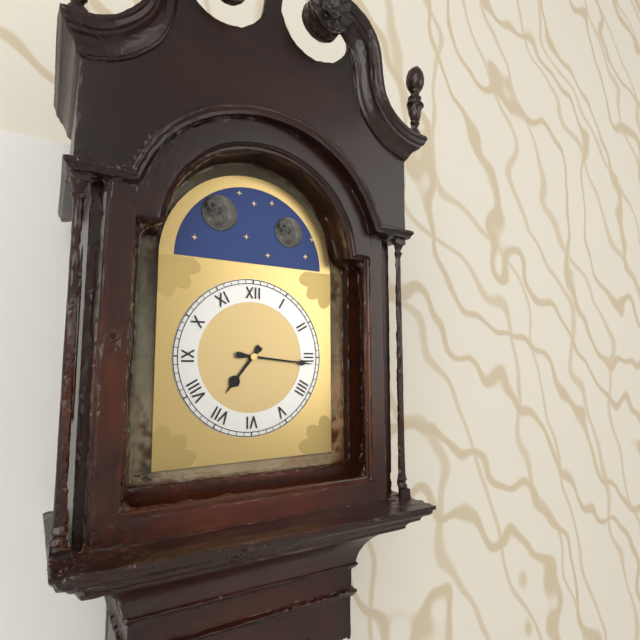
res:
7:16
